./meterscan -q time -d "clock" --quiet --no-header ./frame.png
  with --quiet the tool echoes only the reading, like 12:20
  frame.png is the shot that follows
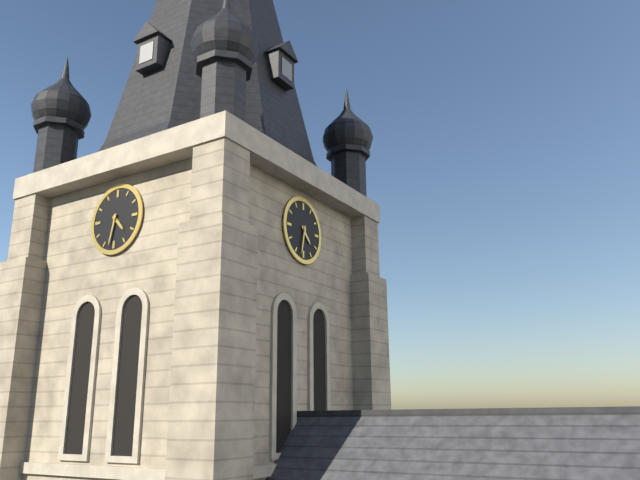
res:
4:32
